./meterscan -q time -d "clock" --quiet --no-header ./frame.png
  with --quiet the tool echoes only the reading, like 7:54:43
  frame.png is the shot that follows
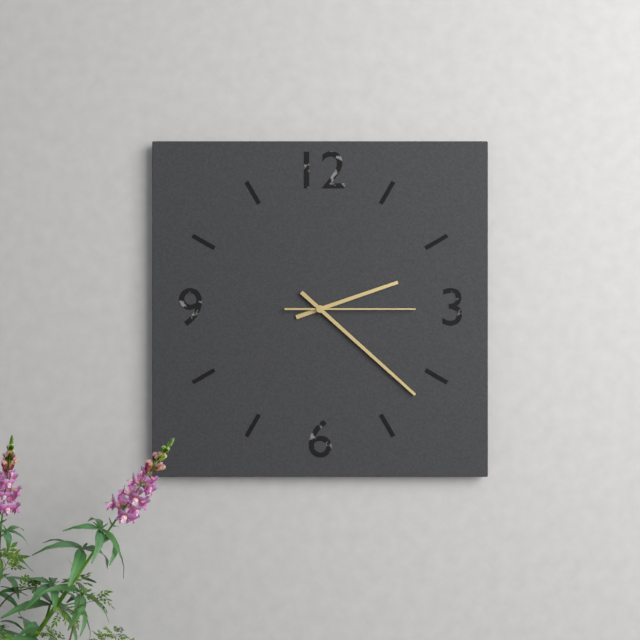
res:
2:22:15
